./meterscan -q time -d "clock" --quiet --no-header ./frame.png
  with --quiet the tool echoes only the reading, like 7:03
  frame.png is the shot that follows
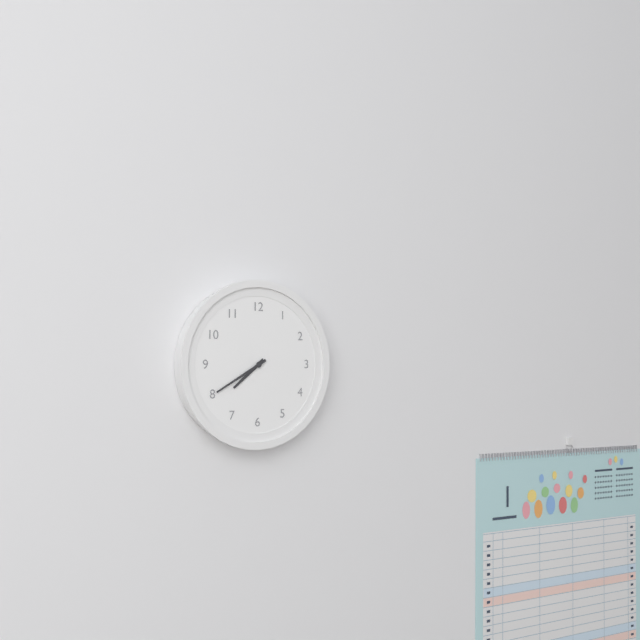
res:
7:40
